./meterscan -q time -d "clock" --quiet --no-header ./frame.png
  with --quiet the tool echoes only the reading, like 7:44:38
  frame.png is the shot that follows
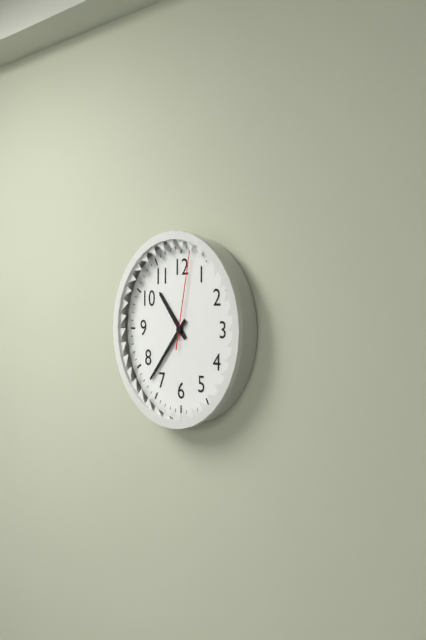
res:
10:37:02
